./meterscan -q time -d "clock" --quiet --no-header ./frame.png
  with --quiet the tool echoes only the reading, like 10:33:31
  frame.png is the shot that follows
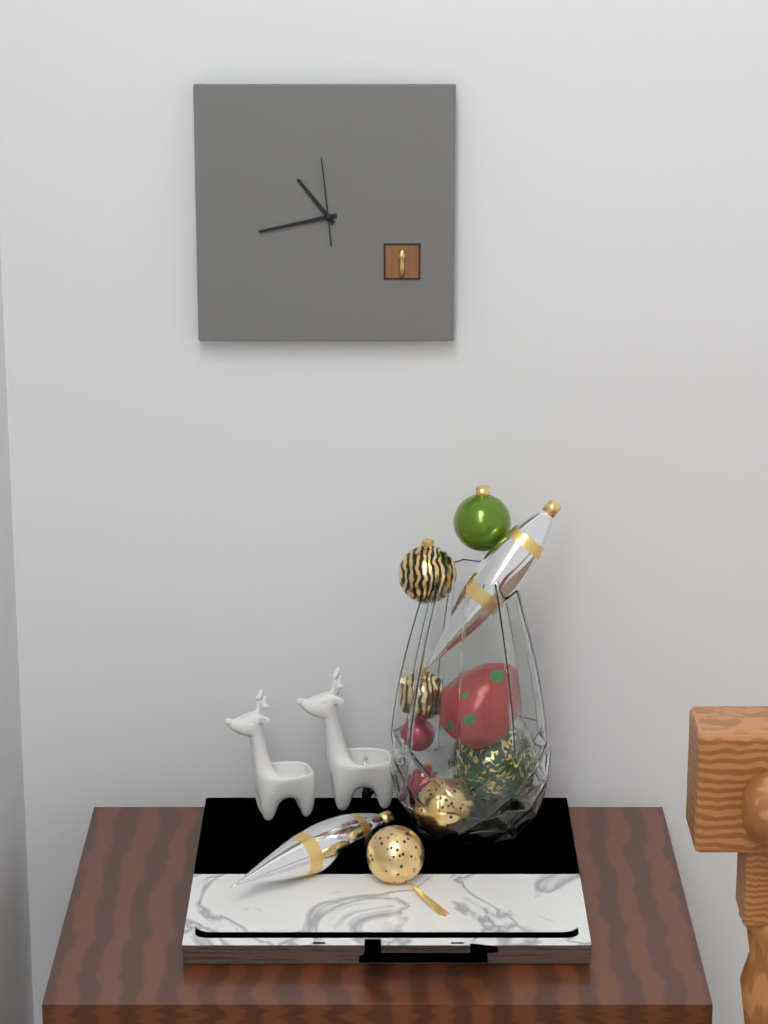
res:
10:43:59
